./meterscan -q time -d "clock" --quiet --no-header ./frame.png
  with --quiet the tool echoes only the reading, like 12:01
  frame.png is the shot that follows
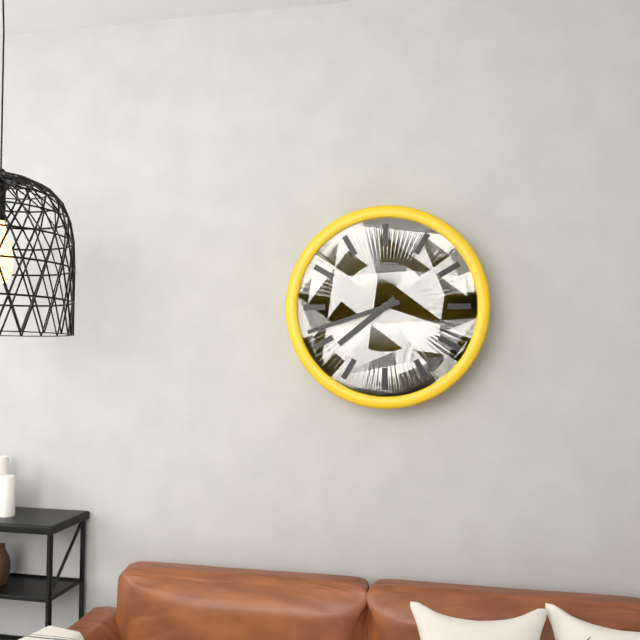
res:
7:42
